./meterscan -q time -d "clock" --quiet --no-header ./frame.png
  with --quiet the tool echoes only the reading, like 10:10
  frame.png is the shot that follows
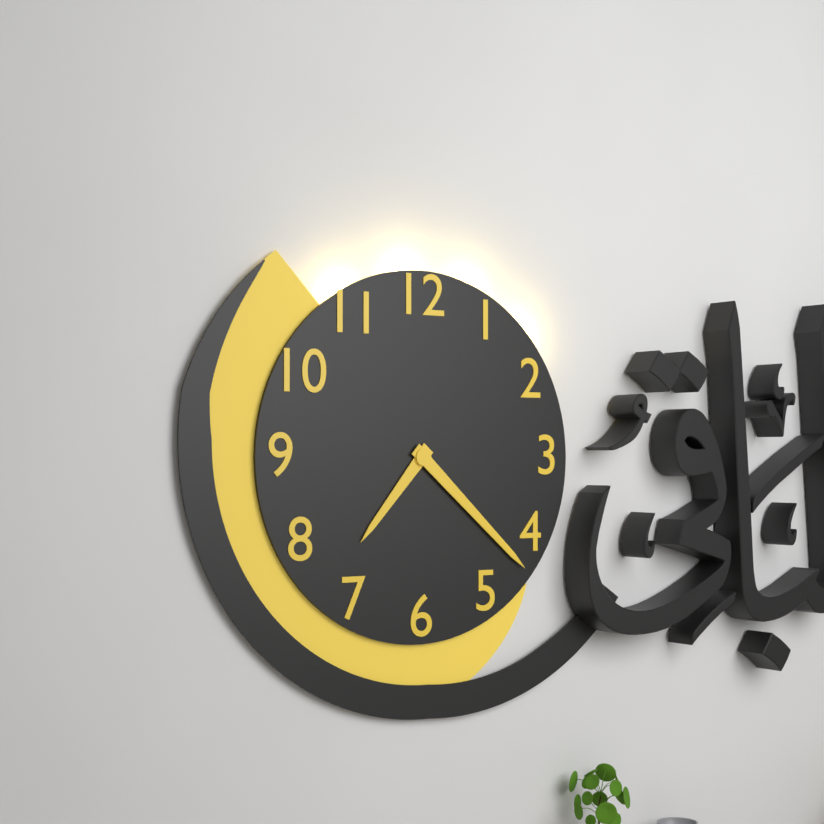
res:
7:22
